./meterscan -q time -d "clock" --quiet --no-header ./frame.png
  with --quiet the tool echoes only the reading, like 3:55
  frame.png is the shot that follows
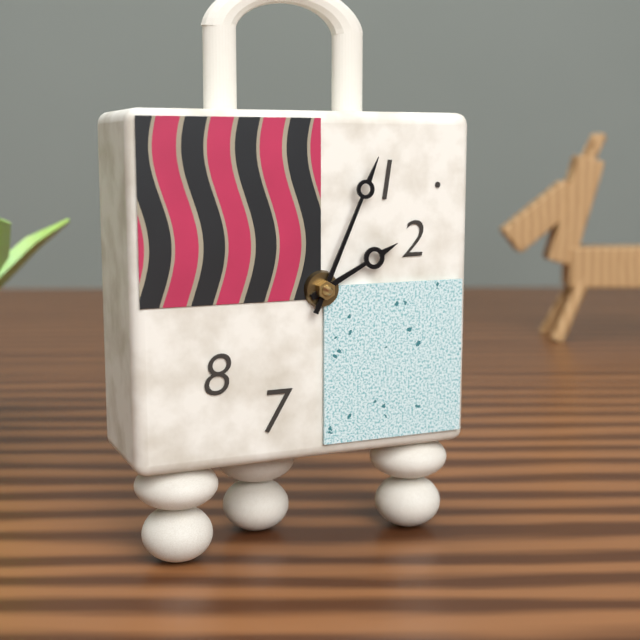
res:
2:04
